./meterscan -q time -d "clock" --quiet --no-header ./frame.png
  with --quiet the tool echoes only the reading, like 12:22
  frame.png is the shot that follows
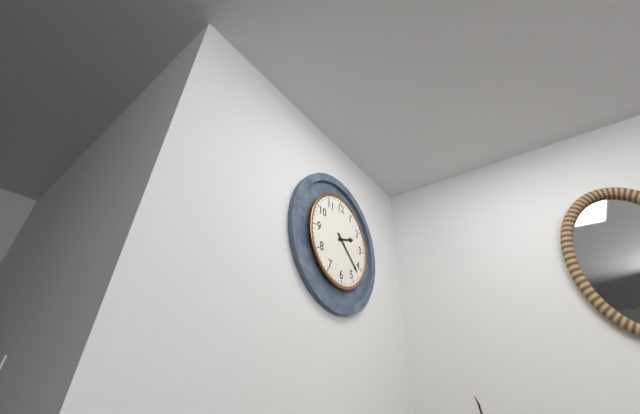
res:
2:22
